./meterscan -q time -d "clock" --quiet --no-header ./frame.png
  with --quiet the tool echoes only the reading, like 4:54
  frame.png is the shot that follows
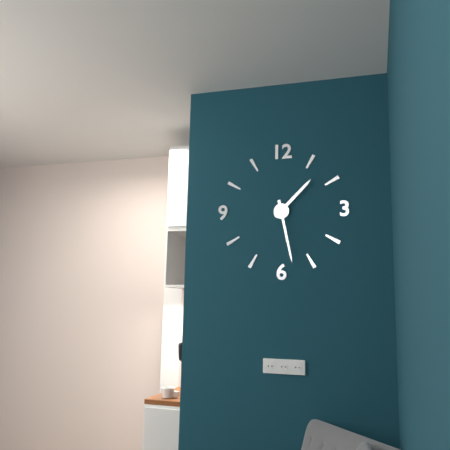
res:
1:28
